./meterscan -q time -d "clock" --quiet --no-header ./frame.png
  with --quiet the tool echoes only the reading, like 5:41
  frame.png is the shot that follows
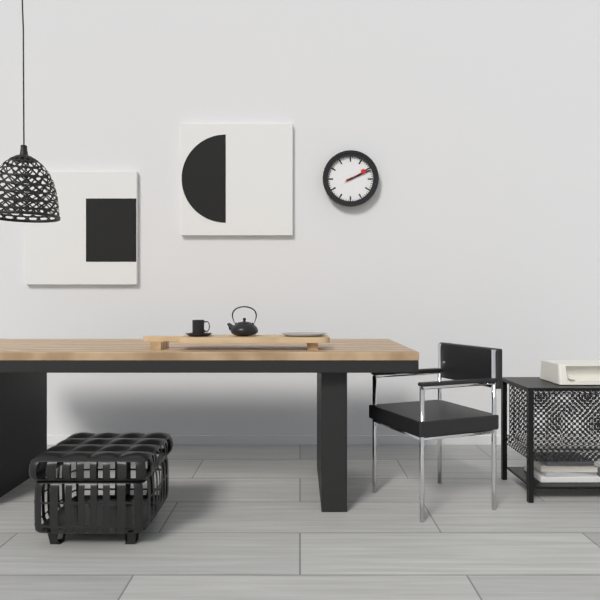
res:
2:11
